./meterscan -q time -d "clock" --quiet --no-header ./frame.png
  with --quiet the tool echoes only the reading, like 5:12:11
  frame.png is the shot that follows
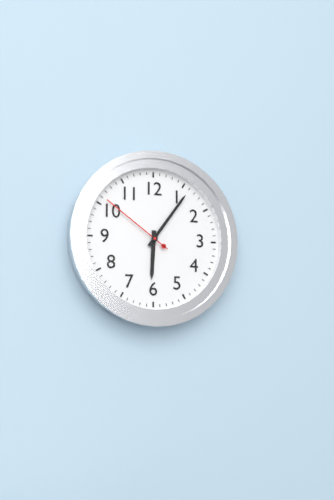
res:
6:06:51
